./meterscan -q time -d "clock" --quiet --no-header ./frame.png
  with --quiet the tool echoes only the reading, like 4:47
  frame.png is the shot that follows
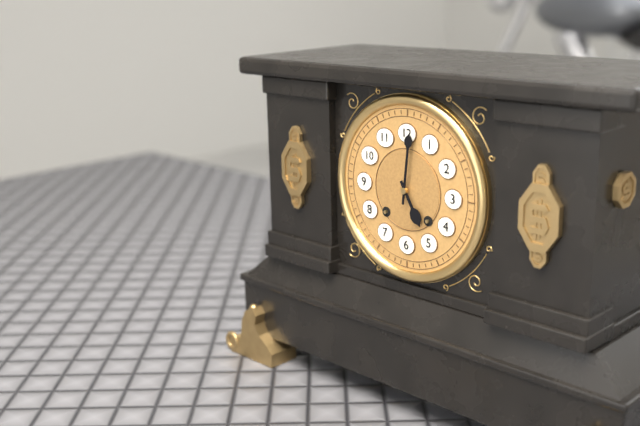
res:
5:01
